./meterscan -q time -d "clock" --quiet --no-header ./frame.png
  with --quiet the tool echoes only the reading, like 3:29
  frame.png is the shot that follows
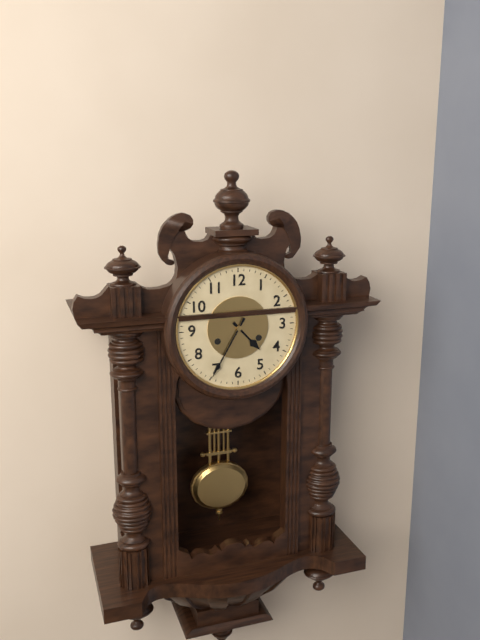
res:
4:35
